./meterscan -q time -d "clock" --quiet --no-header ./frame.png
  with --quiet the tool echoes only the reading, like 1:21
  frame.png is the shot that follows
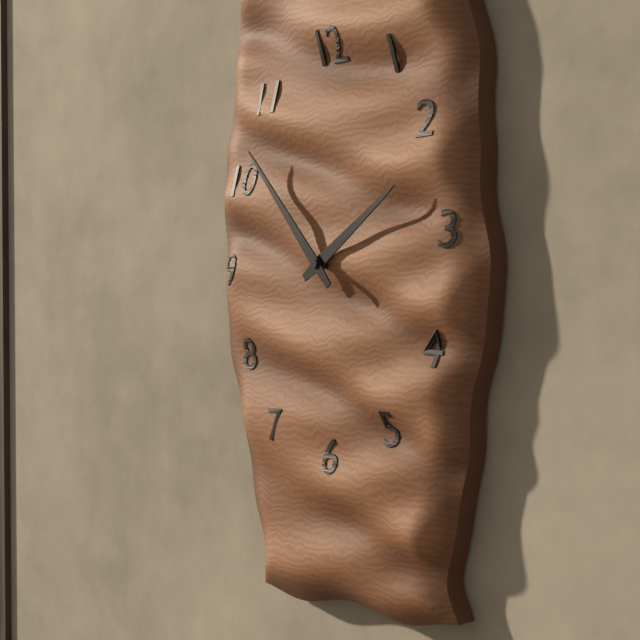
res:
1:53
